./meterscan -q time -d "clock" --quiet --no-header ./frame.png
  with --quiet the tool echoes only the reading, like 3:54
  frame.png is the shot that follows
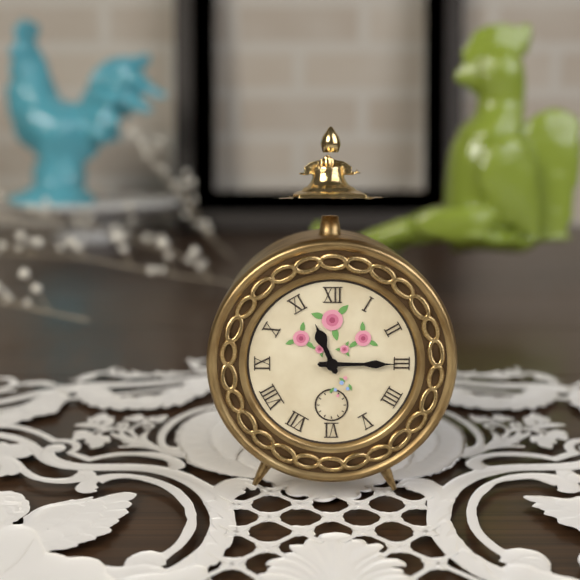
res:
11:15
